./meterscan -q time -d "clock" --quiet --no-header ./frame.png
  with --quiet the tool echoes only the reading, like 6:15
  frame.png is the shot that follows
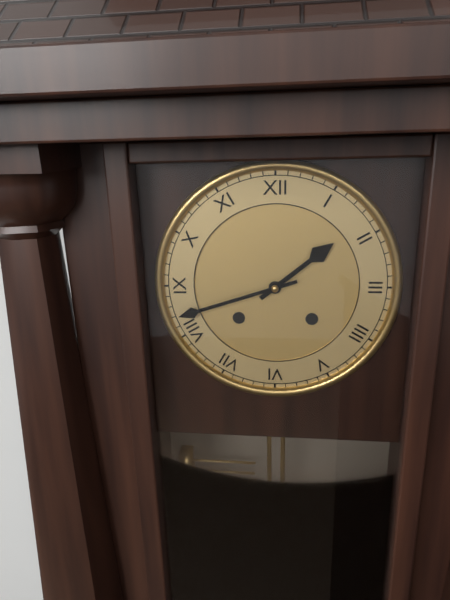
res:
1:42
